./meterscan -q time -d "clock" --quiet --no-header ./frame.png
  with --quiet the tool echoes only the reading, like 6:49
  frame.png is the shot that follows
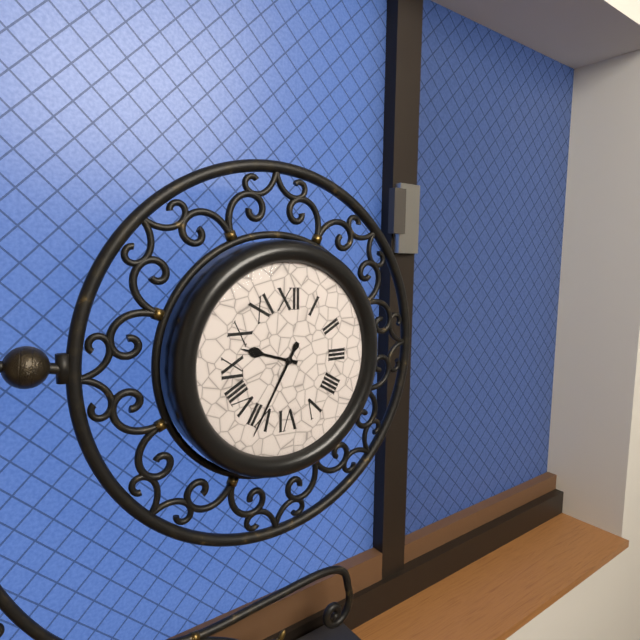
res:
9:35
